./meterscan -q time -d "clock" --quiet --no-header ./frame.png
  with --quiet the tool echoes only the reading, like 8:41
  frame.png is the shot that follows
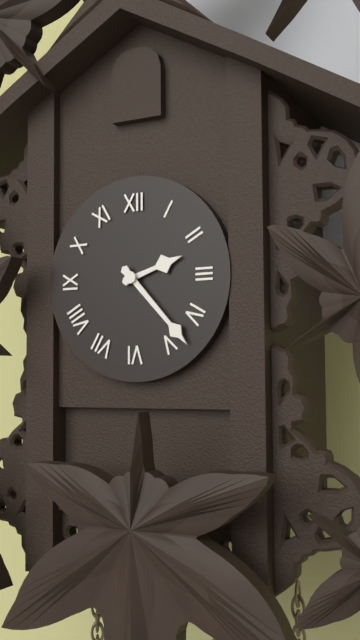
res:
2:23
